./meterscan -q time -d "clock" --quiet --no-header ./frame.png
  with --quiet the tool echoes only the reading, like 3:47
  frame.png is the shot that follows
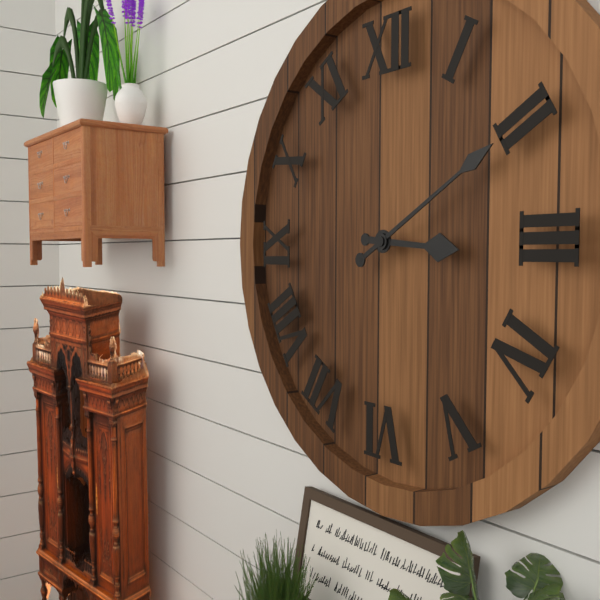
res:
3:10
